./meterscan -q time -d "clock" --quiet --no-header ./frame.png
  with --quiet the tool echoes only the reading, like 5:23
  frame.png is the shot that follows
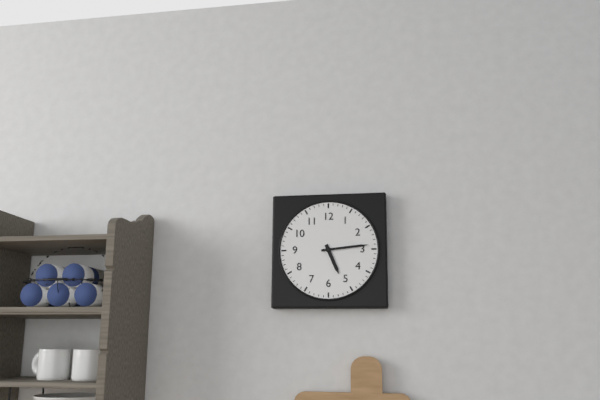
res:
5:14
